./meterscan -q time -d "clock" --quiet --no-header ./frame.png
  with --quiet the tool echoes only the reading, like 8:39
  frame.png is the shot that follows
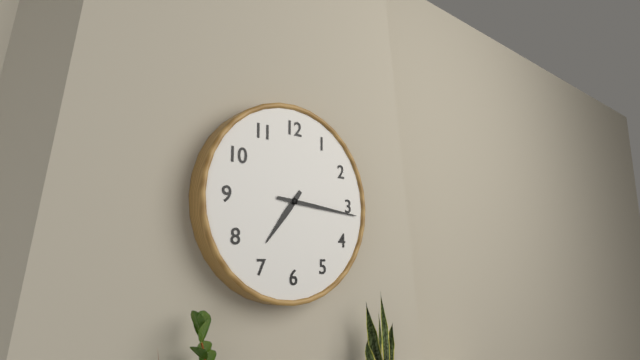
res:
7:16
